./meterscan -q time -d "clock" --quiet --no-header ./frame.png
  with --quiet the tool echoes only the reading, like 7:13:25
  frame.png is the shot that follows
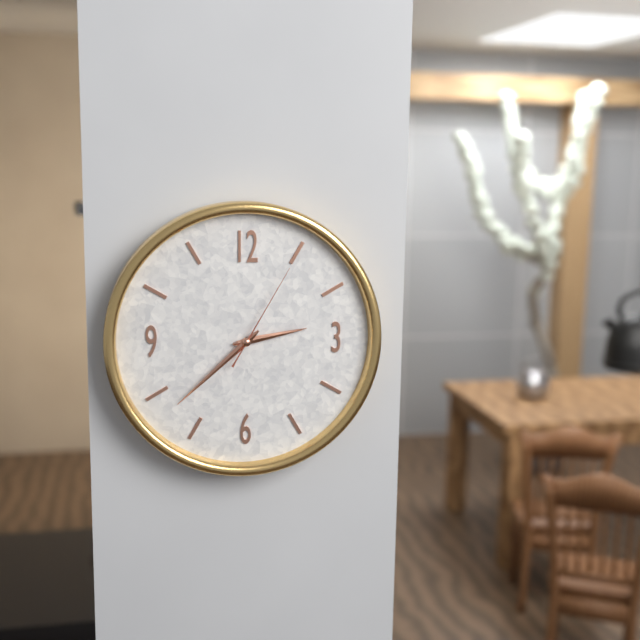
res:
2:38:05
